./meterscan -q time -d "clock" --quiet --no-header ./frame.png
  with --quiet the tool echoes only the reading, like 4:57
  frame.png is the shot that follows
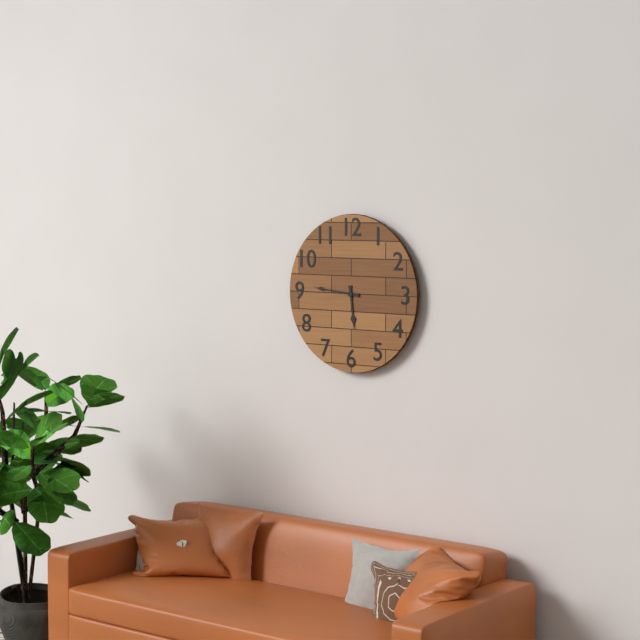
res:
5:46
